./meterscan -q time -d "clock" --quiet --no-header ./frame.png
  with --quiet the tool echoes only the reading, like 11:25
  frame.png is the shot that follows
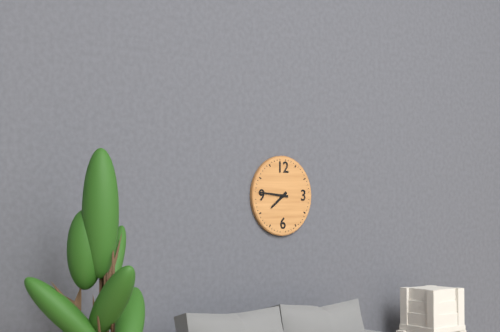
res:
7:46
